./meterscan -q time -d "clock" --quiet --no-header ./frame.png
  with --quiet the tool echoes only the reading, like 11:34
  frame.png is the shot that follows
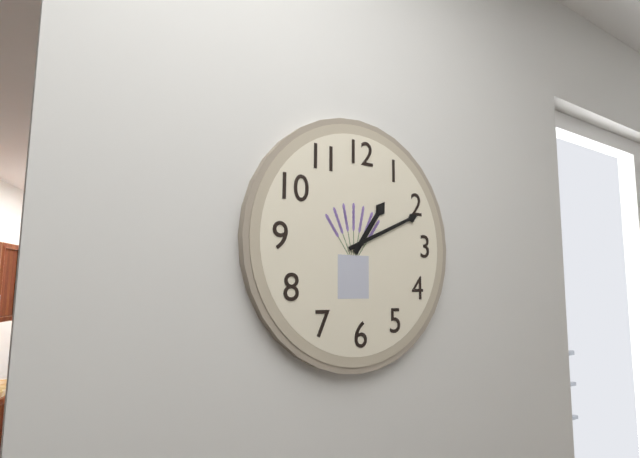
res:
1:11
